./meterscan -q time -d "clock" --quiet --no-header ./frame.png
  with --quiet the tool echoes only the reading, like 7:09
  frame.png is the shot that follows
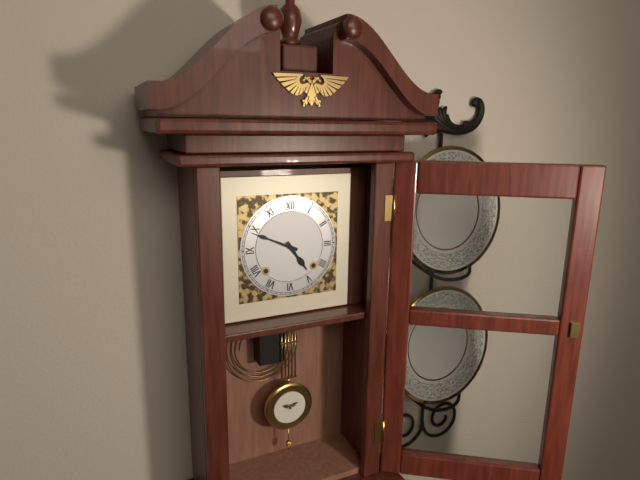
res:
4:49
